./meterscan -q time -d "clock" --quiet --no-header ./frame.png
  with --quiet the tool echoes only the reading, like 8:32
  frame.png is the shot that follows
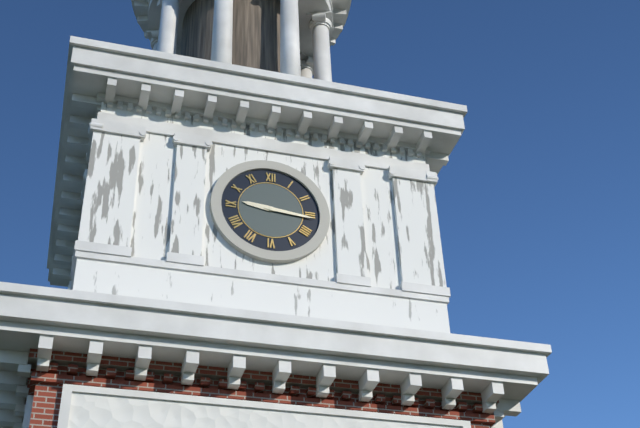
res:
9:16
